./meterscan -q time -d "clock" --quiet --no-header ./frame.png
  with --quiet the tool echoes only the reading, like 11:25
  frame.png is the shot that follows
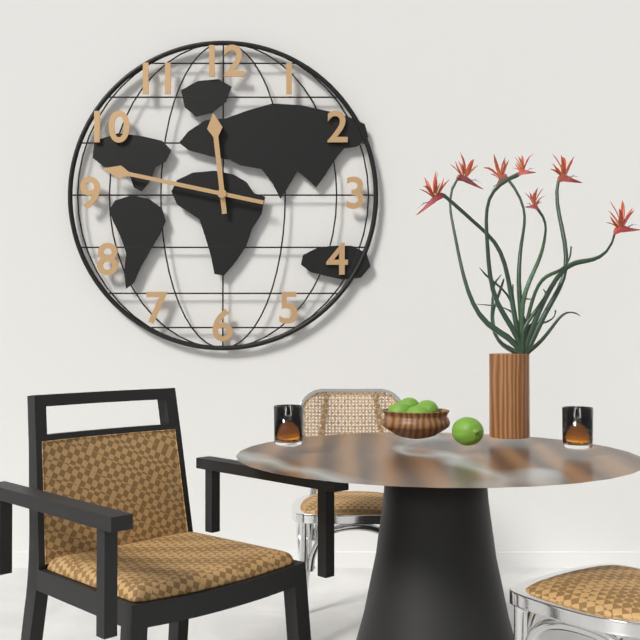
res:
11:47
